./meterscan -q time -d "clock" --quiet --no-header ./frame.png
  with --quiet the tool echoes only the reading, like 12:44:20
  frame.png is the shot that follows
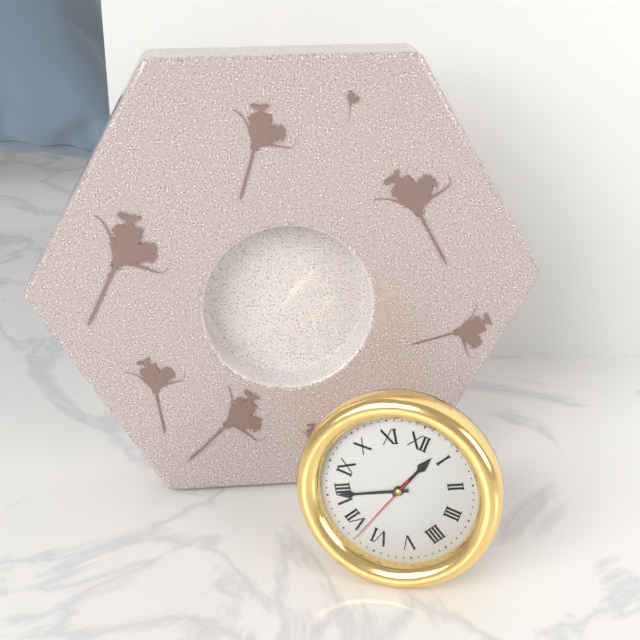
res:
12:40:33
